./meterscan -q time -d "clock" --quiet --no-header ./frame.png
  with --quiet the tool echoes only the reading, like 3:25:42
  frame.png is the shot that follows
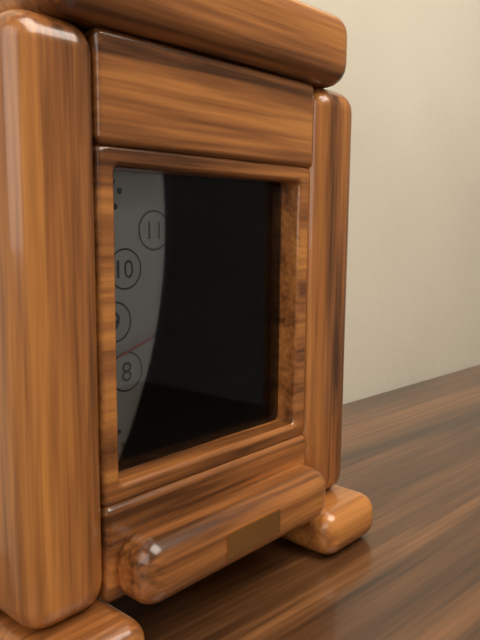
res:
5:28:42
